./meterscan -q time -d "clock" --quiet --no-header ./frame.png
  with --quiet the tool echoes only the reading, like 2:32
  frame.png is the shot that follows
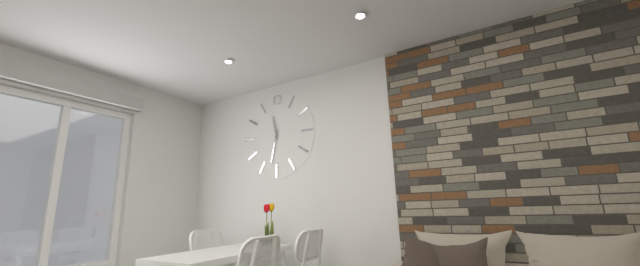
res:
11:32
